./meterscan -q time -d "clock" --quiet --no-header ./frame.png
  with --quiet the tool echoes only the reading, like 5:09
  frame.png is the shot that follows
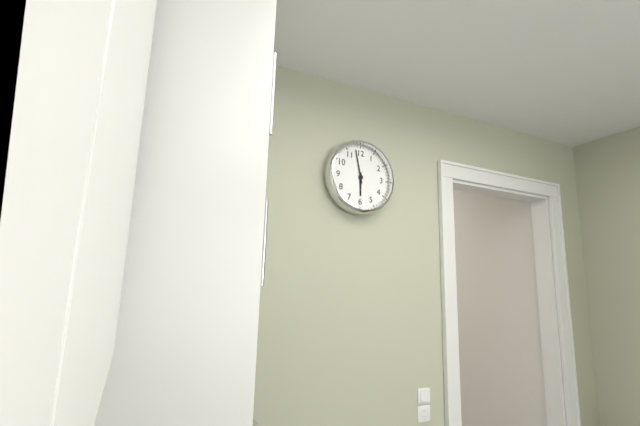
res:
5:58
